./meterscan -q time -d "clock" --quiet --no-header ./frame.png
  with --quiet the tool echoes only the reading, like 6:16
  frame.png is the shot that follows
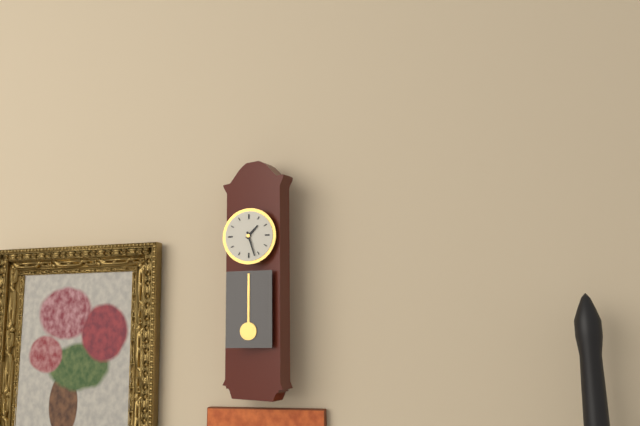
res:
1:27
